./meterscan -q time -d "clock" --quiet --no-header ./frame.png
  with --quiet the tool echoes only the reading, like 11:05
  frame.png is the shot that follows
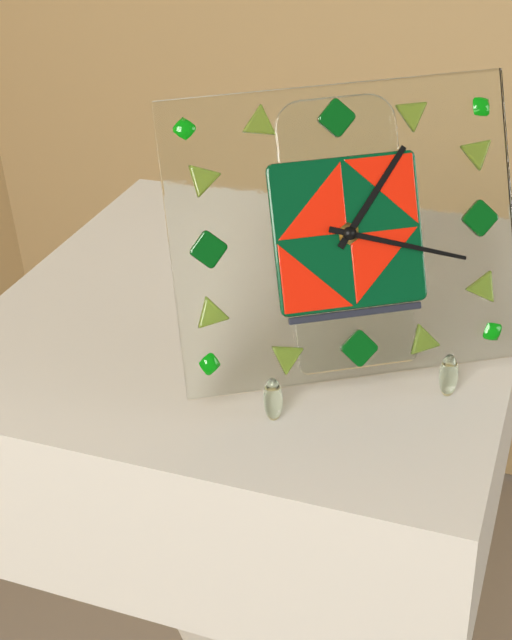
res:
1:18
